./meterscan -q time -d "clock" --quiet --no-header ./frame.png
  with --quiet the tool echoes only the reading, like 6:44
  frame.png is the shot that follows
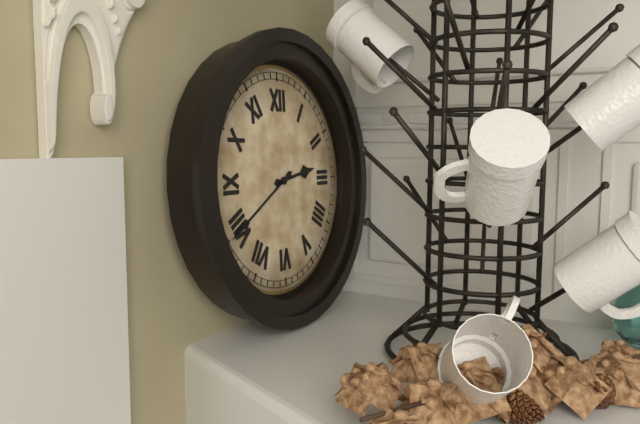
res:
2:40
